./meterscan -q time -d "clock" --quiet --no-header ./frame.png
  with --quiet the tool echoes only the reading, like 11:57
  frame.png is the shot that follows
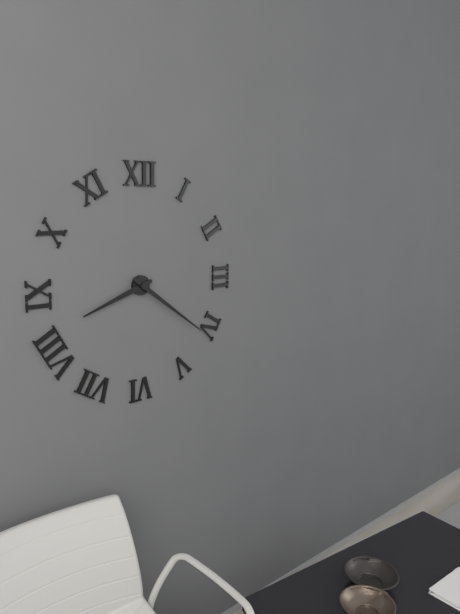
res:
8:21
